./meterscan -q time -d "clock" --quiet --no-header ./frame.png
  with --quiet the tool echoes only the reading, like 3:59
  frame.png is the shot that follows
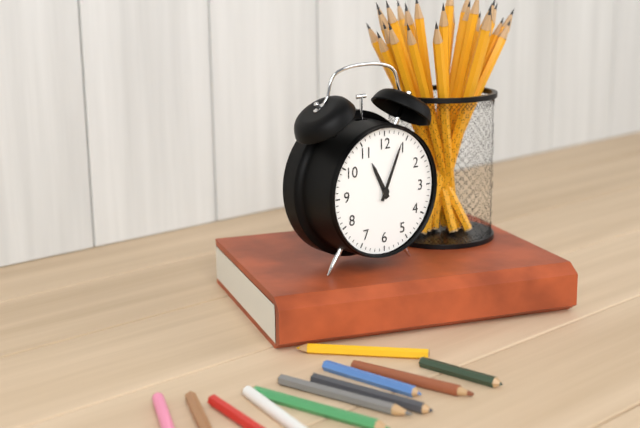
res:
11:04
